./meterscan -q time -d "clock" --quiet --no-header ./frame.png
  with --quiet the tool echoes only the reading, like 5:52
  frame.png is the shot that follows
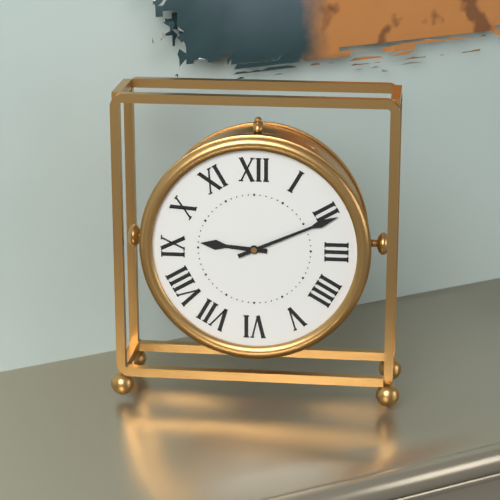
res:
9:11
